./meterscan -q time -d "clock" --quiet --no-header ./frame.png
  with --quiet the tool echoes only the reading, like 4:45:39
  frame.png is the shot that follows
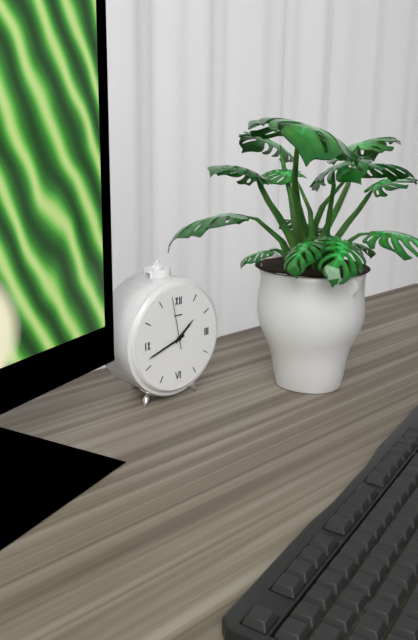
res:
1:42:58
